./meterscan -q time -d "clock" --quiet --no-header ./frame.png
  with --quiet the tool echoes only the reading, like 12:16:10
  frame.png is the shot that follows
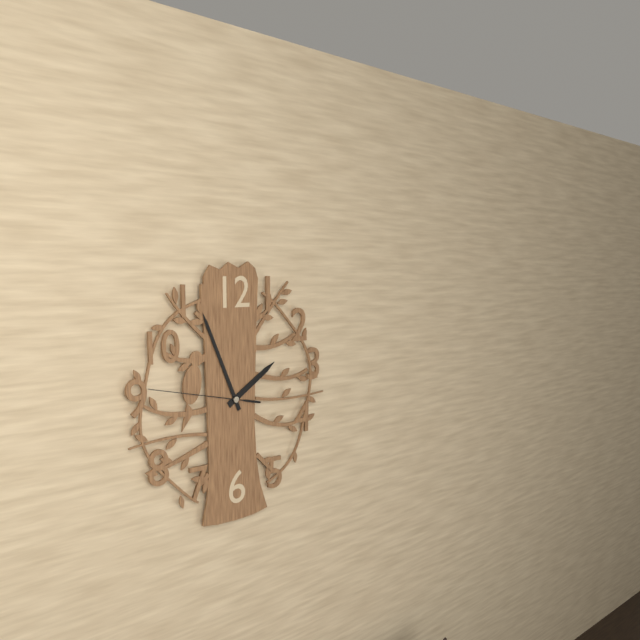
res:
1:56:47
